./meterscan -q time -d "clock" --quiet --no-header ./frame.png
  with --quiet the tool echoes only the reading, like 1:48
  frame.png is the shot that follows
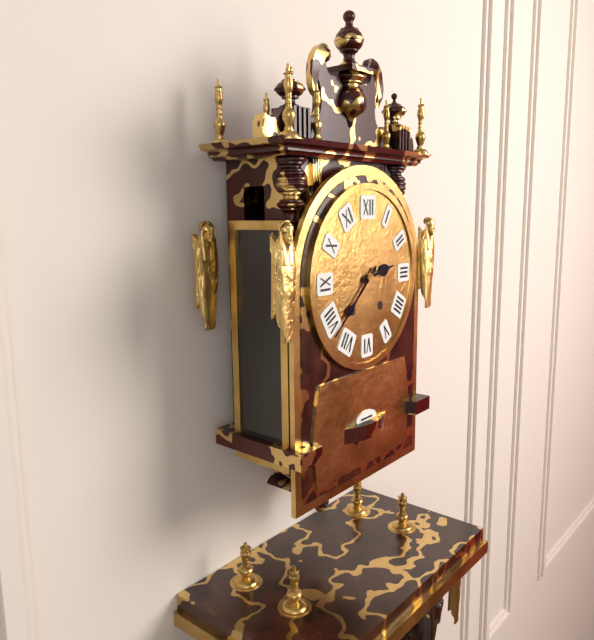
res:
2:38
